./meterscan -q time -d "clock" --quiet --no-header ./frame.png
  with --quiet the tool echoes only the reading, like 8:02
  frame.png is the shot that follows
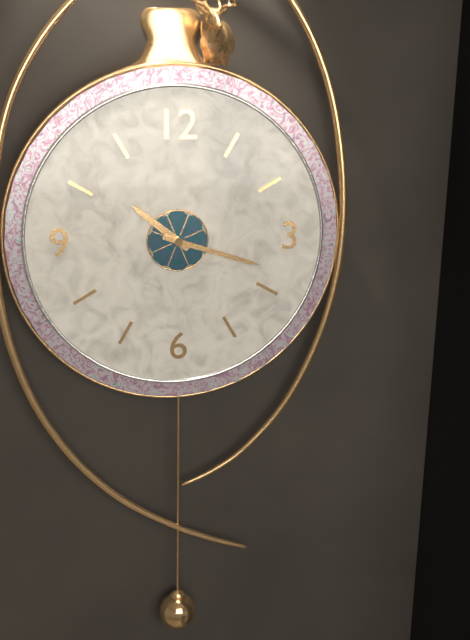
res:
10:18
